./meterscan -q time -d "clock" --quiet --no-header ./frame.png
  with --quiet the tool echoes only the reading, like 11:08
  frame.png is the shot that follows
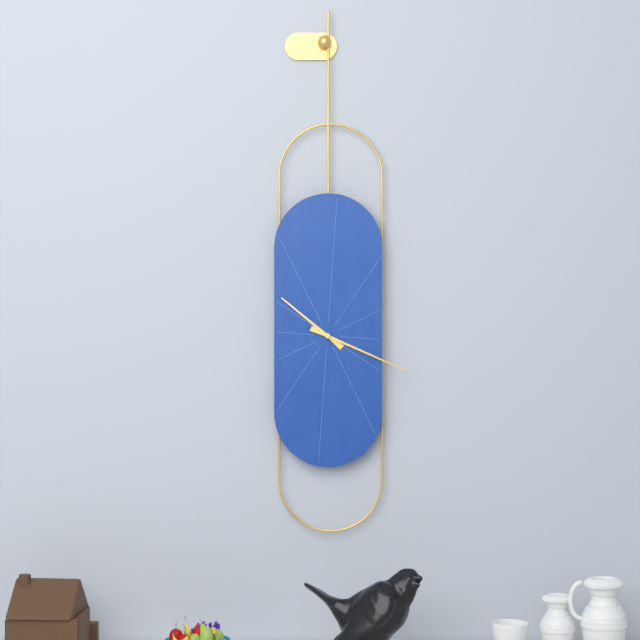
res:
10:19
